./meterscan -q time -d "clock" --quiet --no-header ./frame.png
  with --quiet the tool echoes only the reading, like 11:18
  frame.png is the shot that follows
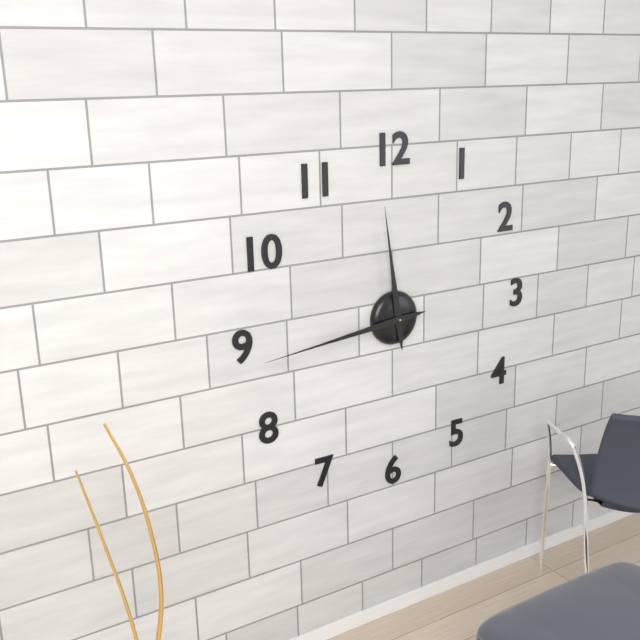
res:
11:44
